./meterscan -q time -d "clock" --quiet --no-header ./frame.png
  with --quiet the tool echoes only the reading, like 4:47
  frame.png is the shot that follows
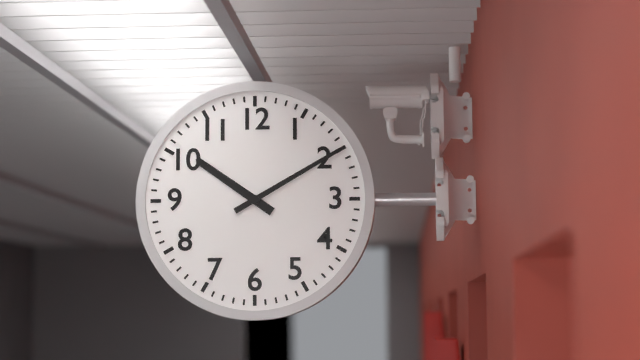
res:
10:10
